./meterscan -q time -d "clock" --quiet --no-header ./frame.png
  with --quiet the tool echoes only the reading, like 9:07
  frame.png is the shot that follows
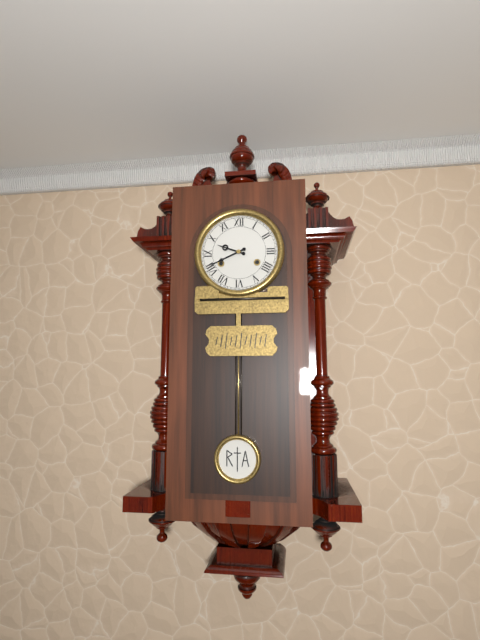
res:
9:41
